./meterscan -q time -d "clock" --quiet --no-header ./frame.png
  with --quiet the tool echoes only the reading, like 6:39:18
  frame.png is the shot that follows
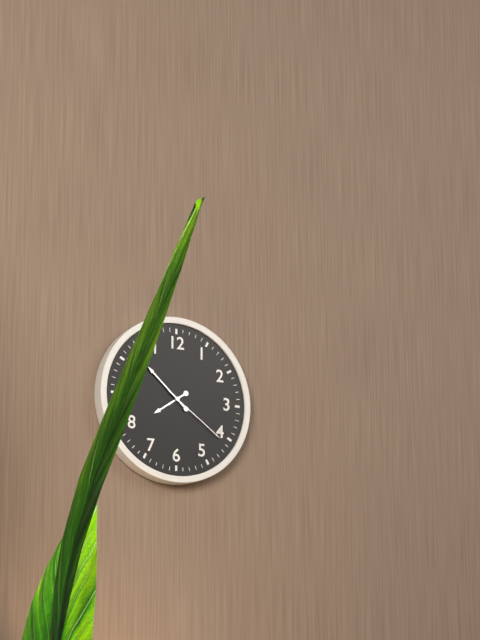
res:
7:52:21
